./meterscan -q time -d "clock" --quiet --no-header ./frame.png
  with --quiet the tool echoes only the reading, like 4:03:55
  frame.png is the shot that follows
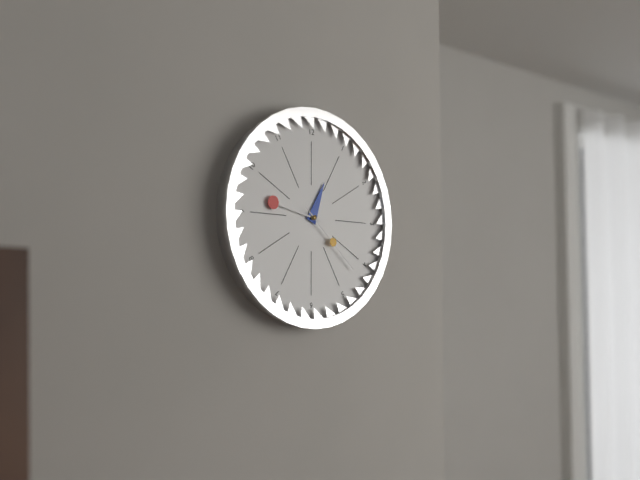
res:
12:47:22
